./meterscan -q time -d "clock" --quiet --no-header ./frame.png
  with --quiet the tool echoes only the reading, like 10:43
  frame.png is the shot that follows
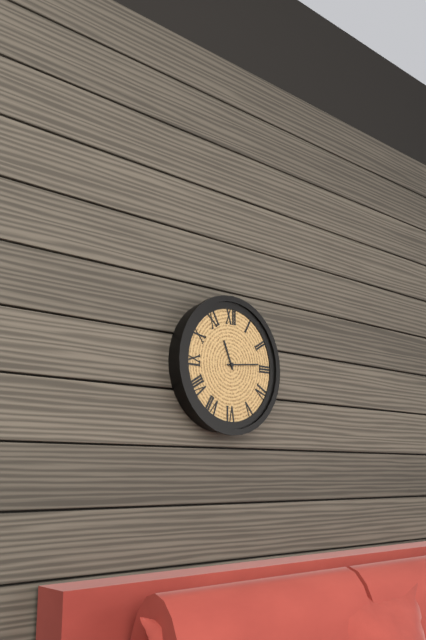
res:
11:14
